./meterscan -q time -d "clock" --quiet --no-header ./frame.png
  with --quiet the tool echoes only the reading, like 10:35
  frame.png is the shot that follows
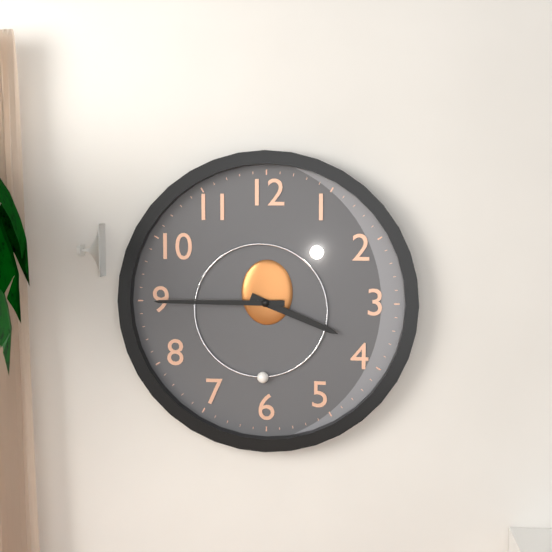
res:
3:45
